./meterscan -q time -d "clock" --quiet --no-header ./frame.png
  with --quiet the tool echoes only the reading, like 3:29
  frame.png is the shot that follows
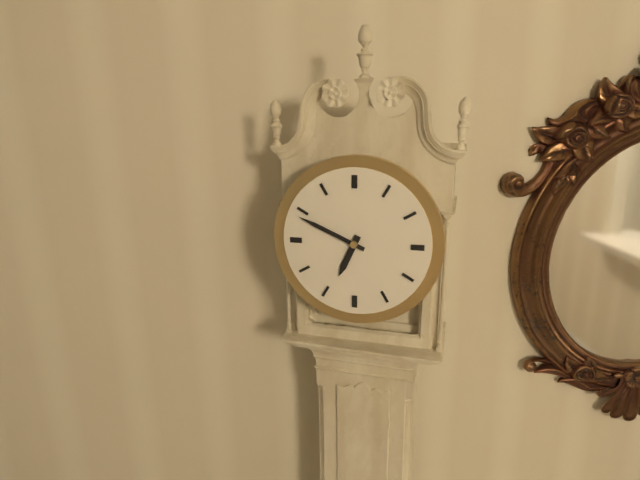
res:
6:49
